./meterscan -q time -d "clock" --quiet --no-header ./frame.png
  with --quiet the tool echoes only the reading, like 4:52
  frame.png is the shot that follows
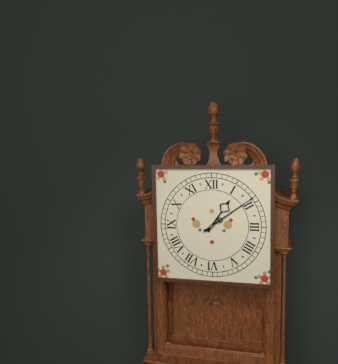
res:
1:09
